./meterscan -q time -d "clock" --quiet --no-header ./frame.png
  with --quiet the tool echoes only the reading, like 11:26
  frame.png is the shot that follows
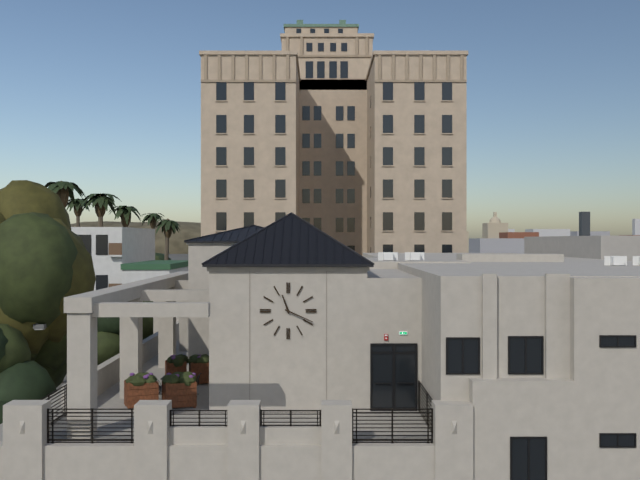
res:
11:19
